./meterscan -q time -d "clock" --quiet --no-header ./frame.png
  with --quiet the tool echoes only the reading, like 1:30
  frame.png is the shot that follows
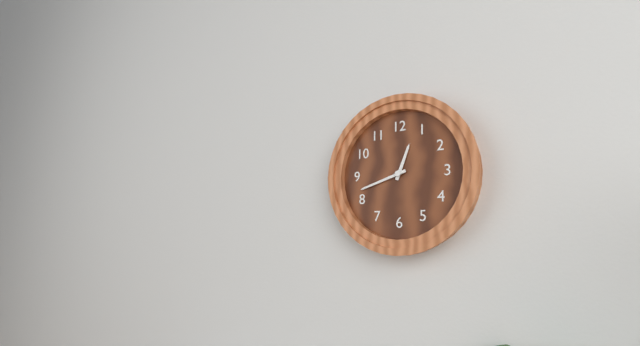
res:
12:42
